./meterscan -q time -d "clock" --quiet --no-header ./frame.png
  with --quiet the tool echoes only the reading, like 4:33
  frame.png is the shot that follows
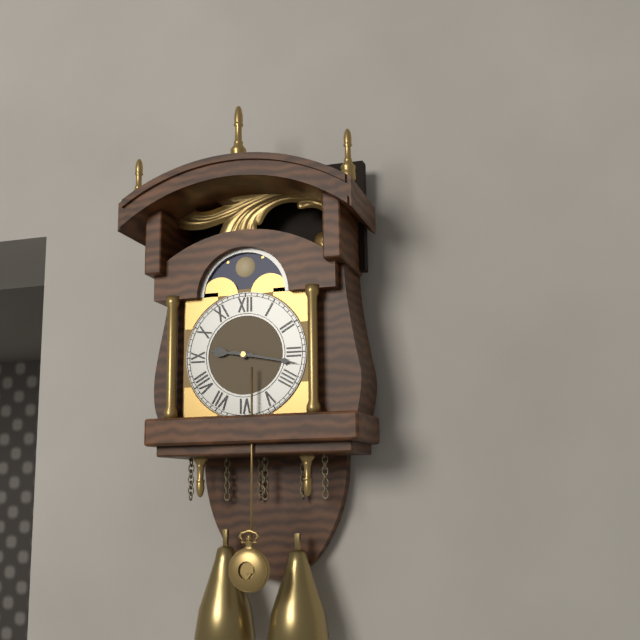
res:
9:17
